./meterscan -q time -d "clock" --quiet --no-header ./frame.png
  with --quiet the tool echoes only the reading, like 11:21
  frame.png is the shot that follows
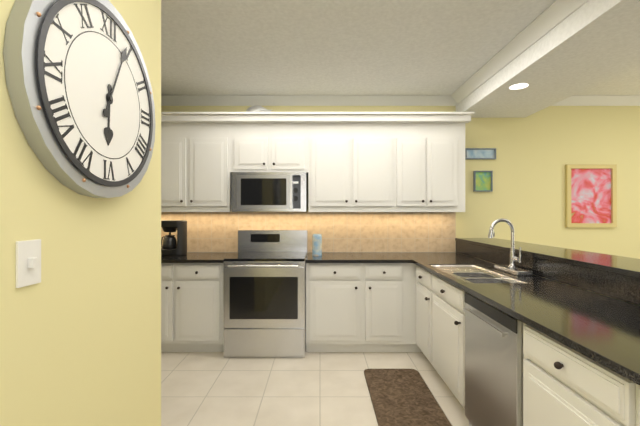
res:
6:04
